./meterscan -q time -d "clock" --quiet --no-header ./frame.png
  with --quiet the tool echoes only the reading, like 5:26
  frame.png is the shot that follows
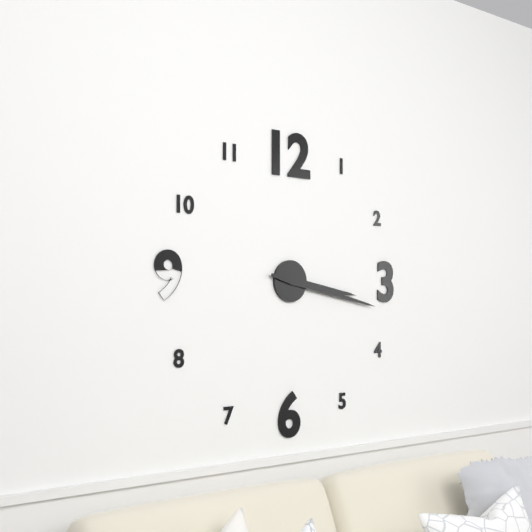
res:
3:17
